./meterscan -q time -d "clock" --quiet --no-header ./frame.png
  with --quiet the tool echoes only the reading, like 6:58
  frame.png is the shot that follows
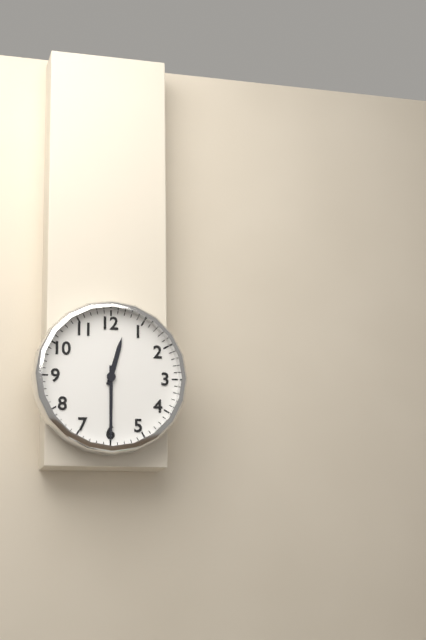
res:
12:30
